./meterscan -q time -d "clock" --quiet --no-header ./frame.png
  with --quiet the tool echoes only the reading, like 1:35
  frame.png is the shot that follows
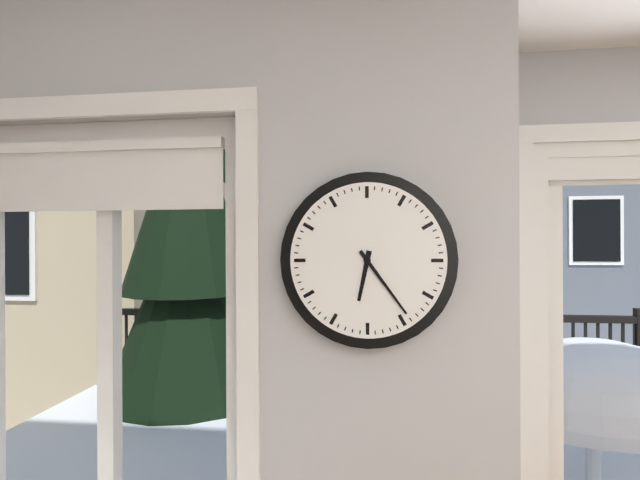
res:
6:24
